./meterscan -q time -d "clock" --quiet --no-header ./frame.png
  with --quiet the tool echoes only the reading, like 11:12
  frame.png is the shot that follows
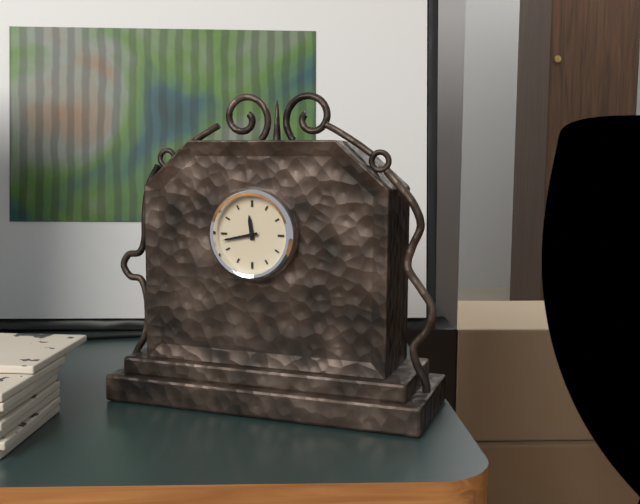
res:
11:43
